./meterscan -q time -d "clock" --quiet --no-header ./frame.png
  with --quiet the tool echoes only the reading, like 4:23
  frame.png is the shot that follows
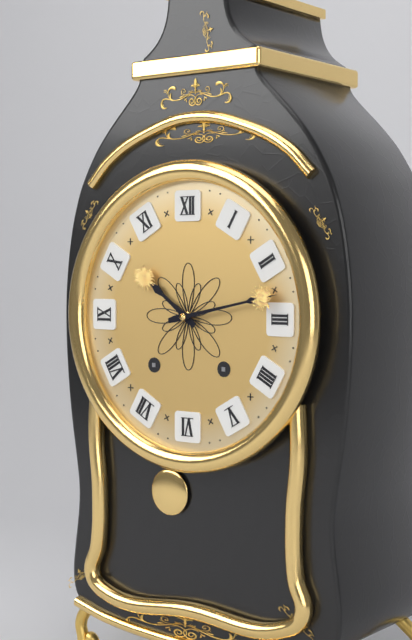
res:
10:13
